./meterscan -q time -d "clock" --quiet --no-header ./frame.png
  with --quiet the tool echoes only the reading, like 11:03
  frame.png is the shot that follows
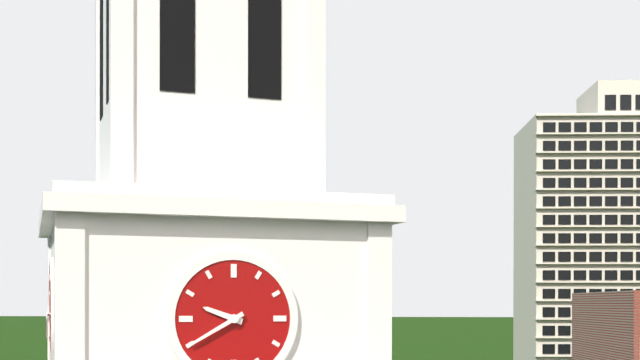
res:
9:40
